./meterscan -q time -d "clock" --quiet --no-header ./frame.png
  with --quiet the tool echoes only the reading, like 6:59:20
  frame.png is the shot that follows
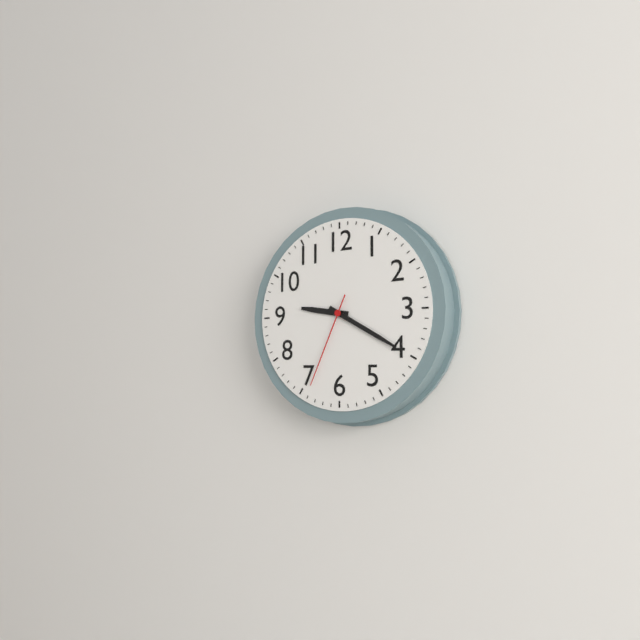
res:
9:20:34
